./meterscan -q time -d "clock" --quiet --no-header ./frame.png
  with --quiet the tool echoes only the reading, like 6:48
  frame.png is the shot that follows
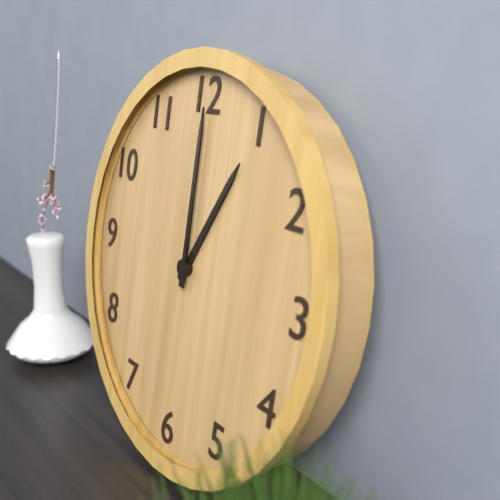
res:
1:00
